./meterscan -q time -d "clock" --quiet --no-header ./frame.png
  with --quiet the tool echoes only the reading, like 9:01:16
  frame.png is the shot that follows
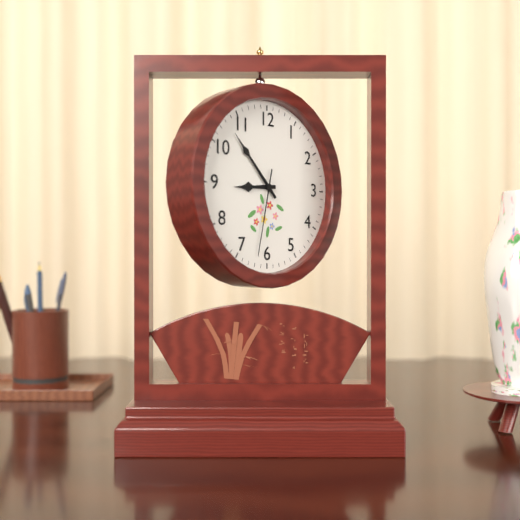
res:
8:53:32
